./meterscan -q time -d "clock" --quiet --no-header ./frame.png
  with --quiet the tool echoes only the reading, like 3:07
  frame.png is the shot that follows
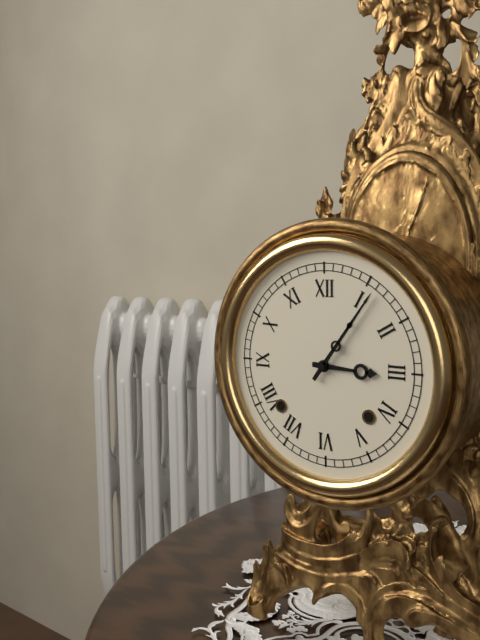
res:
3:06
